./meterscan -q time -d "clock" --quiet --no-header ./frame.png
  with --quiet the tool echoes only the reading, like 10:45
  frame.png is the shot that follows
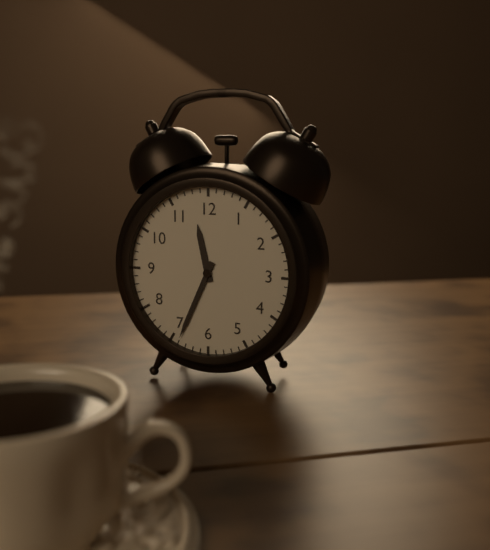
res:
11:34
